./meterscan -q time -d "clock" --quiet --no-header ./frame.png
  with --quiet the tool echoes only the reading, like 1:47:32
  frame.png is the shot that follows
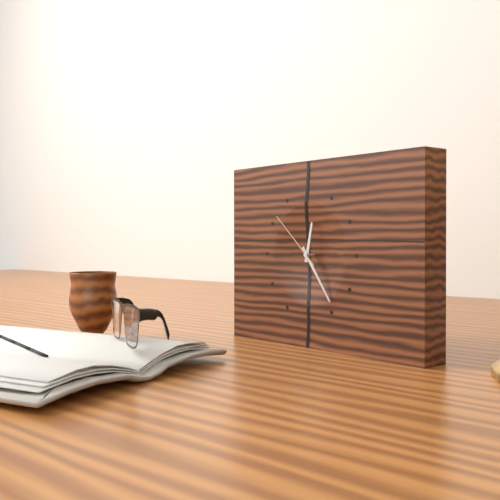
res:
12:24:52
